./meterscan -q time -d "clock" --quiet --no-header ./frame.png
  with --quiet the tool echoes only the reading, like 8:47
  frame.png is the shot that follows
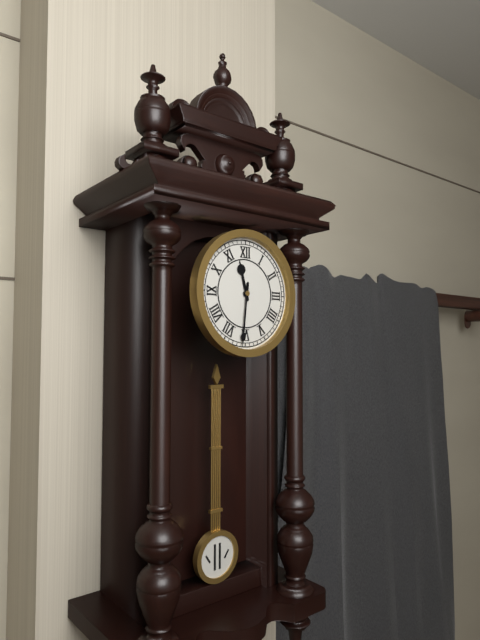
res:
11:31
